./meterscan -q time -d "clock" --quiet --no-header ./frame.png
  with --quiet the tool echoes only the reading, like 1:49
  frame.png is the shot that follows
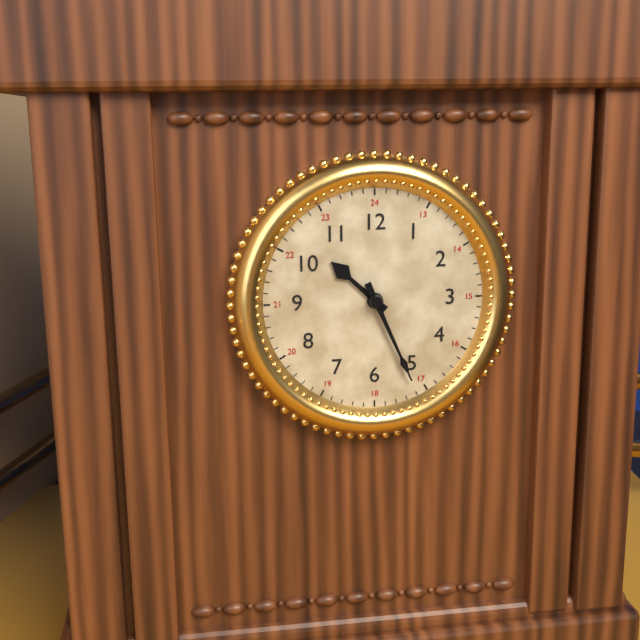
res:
10:26
